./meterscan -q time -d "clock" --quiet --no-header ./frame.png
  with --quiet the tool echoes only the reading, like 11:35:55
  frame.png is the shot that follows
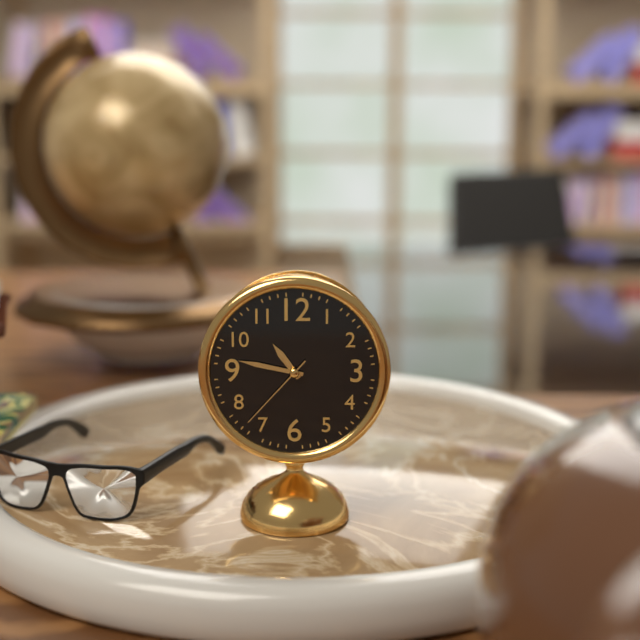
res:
10:47:37
